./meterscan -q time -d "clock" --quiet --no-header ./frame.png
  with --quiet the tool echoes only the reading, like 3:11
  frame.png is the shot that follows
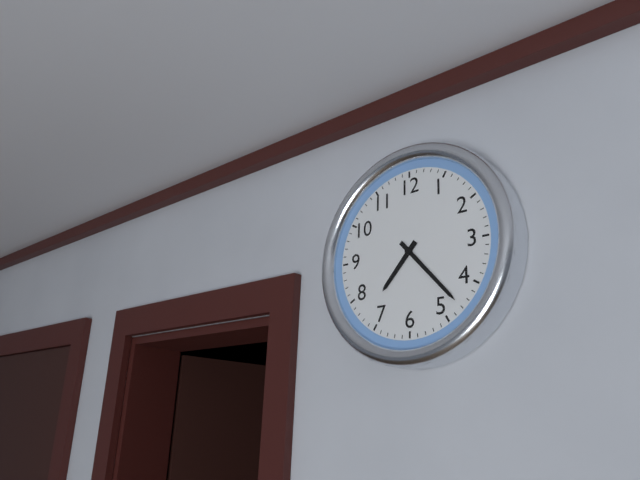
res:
7:23
